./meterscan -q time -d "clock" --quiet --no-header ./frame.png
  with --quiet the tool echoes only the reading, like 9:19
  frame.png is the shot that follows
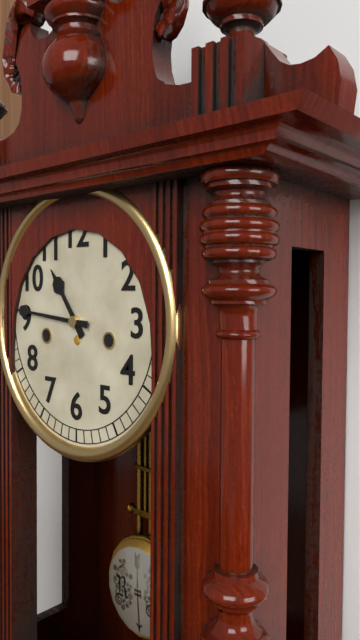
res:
10:46
